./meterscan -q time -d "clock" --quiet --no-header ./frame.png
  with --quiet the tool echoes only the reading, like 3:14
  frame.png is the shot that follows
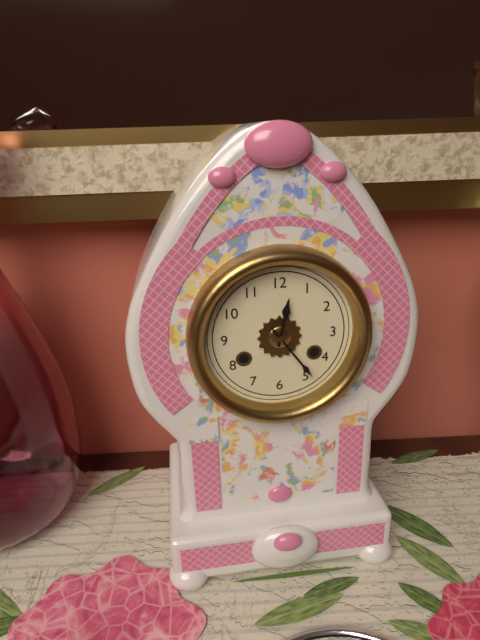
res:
12:24
